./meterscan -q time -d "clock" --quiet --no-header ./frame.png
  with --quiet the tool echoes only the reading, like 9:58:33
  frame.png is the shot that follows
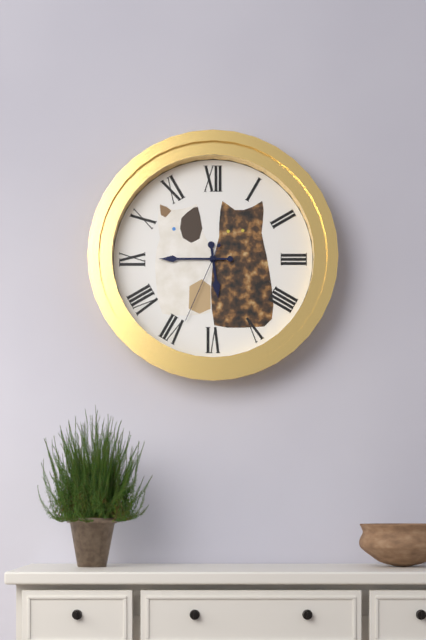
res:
5:45:34
